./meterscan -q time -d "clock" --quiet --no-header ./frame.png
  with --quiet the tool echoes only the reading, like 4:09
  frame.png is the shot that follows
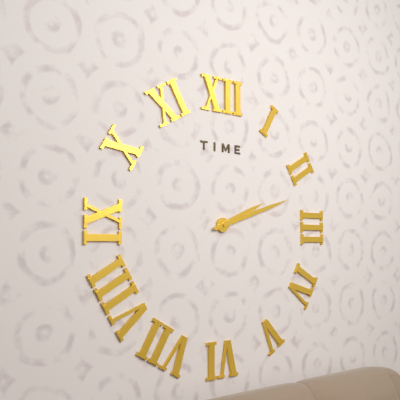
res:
2:12
